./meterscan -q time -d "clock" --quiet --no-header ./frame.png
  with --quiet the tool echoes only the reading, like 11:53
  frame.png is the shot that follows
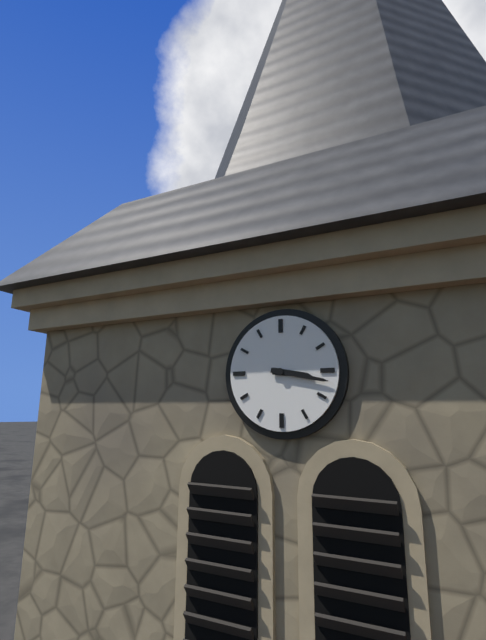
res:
3:17
